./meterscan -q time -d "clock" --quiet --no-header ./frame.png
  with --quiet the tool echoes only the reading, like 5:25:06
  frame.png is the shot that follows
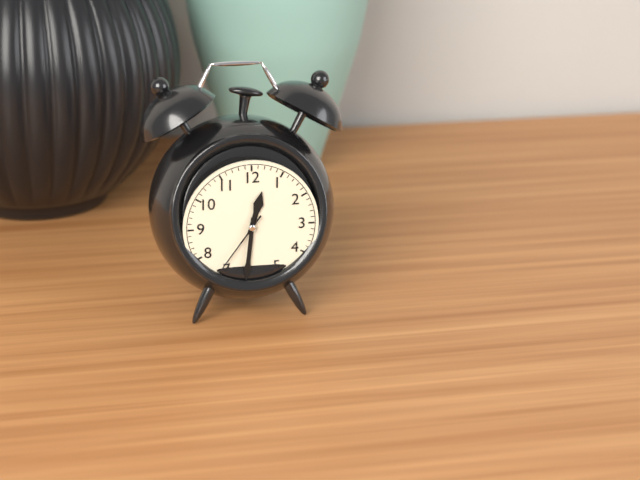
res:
12:31:36
